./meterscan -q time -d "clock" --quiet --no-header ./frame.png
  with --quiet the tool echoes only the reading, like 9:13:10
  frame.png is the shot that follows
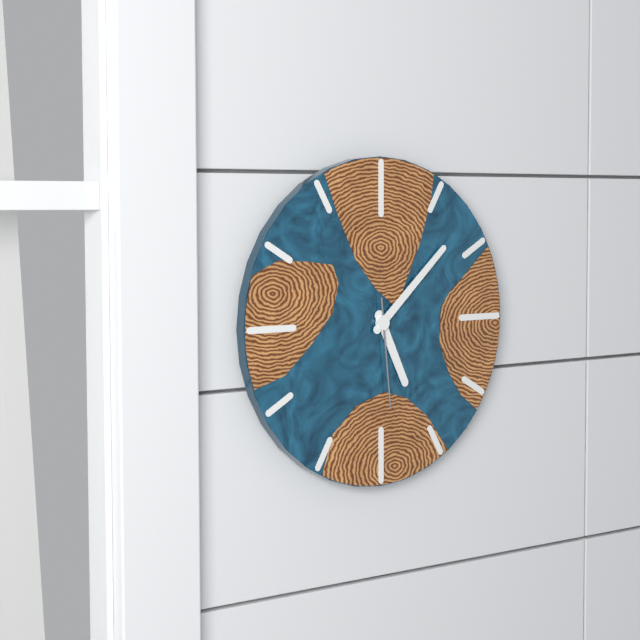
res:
5:08:29
